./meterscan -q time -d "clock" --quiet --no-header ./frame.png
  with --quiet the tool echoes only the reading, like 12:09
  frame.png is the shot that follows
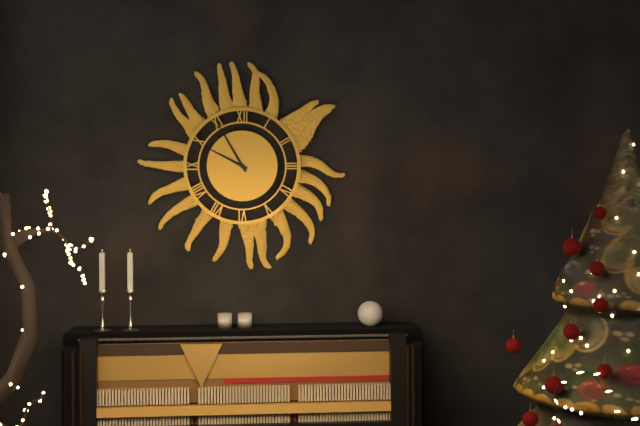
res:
9:55
